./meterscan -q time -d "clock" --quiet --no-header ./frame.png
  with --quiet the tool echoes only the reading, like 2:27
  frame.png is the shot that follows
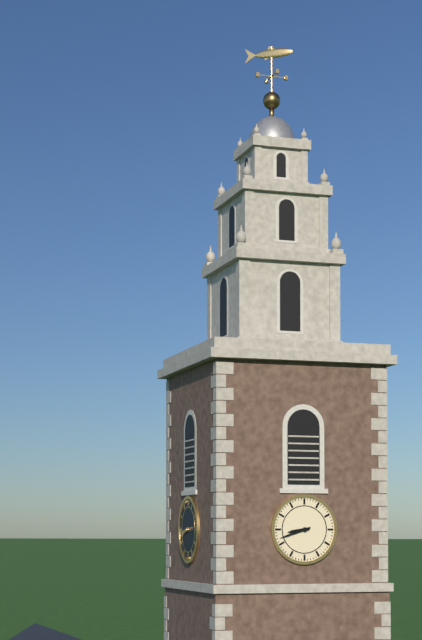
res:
8:42
